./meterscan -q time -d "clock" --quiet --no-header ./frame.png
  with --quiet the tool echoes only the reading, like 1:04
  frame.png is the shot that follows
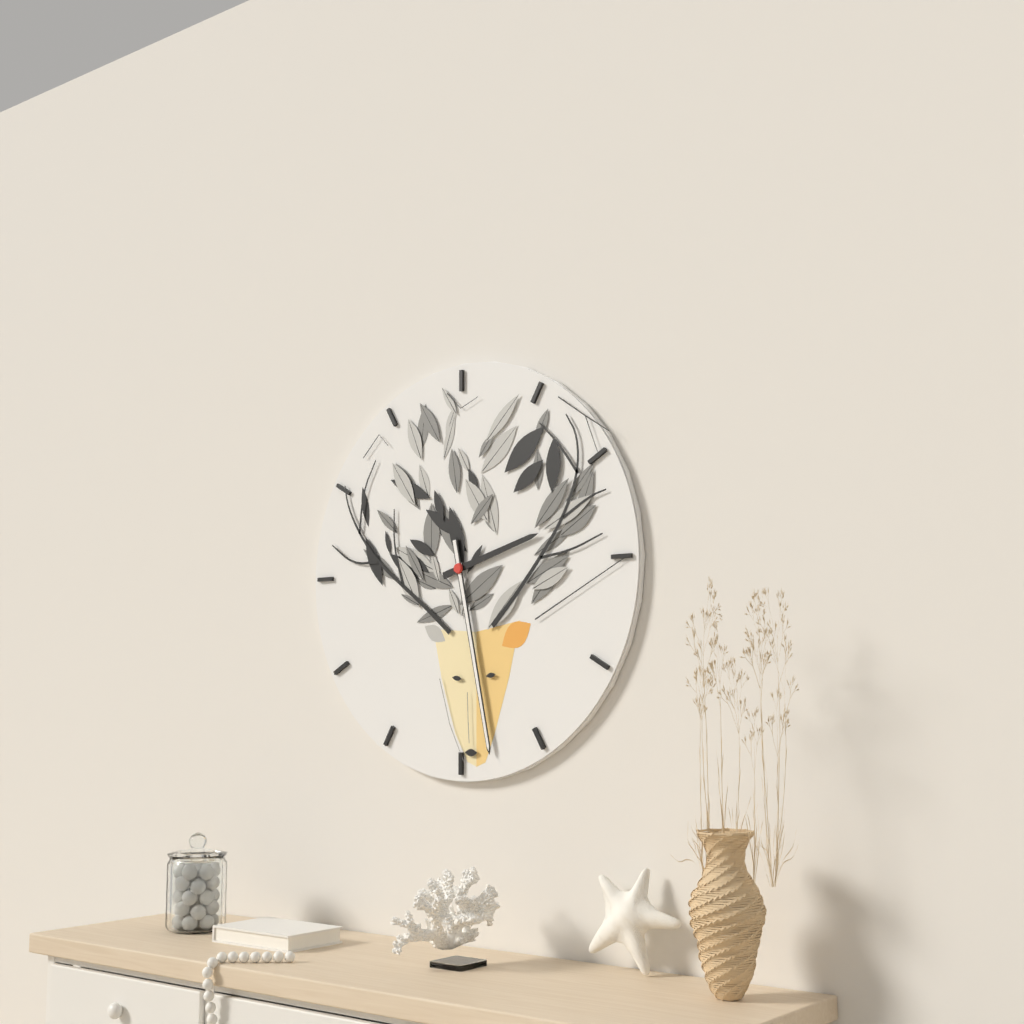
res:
2:28
